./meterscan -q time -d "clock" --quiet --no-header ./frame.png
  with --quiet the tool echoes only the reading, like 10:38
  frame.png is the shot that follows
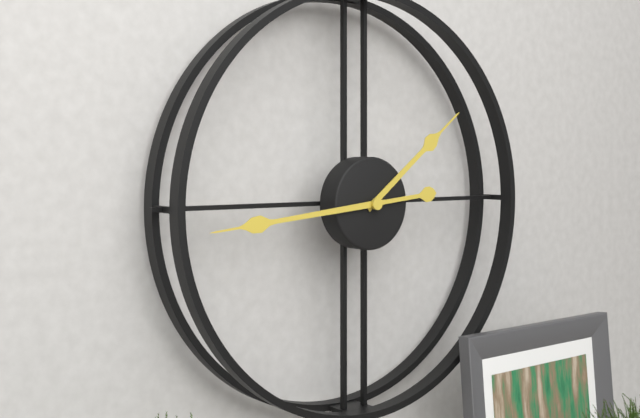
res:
1:44
